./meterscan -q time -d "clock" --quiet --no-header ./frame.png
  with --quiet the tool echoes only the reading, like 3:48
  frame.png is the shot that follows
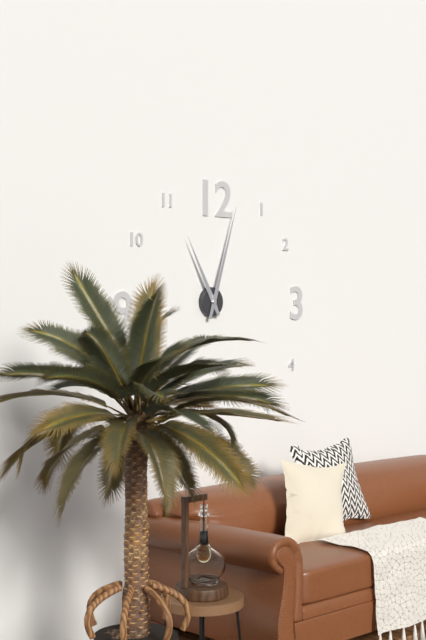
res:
11:03
